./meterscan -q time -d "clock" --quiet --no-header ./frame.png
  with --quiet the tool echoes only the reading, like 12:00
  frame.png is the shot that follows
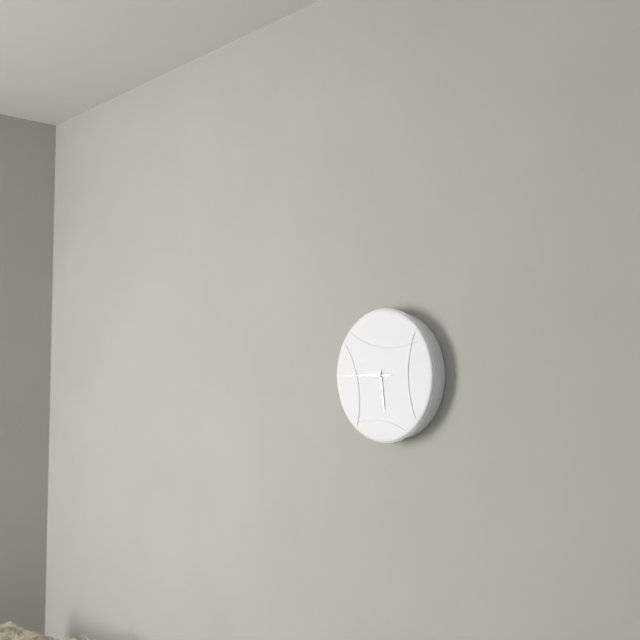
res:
5:45
